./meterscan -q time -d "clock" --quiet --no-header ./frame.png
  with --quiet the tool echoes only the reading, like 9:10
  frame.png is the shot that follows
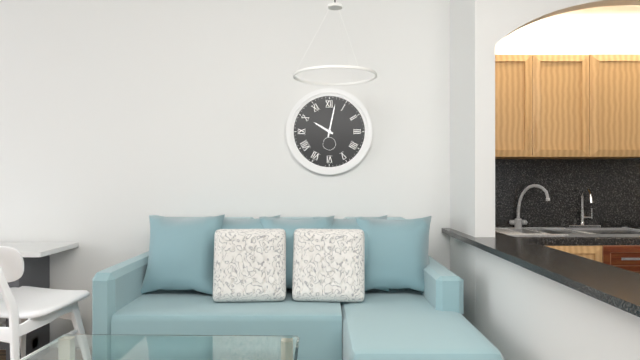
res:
10:02
